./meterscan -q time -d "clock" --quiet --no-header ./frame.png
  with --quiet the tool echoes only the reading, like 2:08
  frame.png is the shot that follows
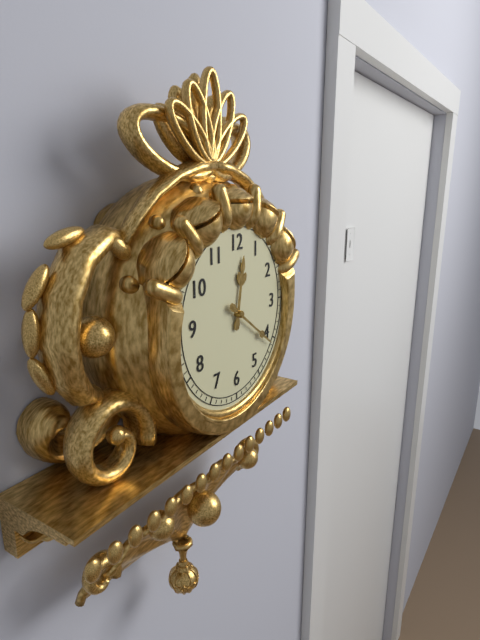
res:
12:21
